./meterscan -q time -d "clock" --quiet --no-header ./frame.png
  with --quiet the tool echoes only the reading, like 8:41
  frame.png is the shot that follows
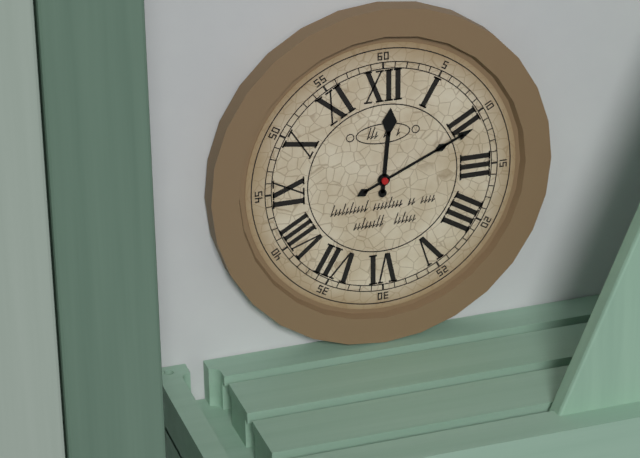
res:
12:11
